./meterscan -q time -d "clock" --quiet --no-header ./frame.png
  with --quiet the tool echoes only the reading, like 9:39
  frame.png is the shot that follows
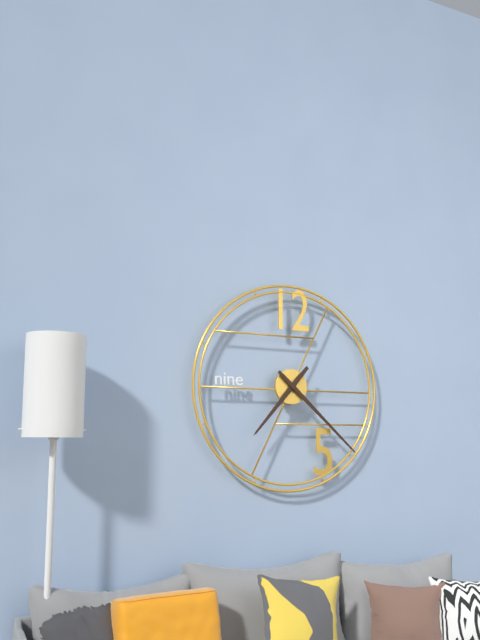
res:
7:22
